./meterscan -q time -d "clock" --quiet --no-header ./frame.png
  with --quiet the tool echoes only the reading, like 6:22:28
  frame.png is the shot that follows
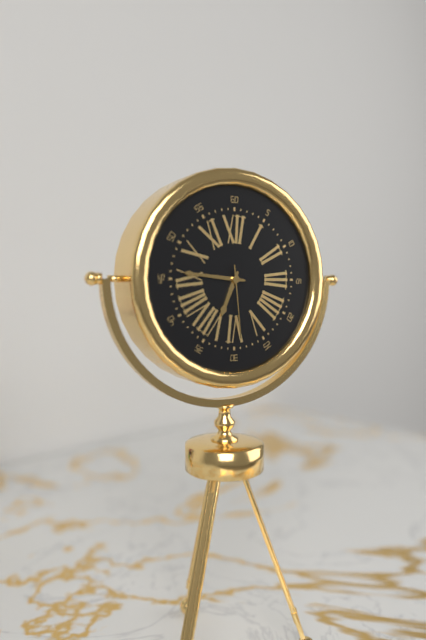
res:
6:46:29
